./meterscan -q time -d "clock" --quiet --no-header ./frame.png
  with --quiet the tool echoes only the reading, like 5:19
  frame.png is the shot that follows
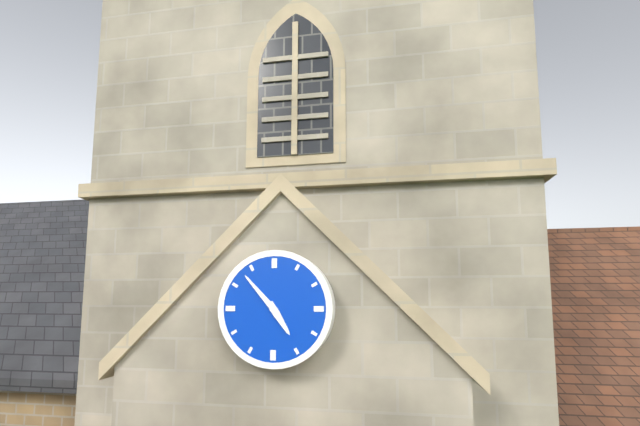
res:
4:53
